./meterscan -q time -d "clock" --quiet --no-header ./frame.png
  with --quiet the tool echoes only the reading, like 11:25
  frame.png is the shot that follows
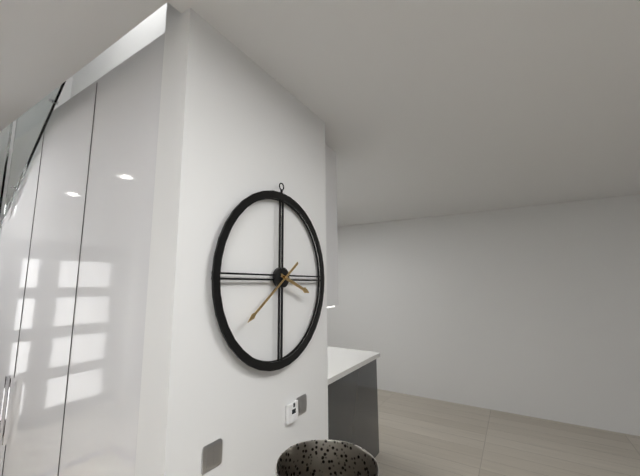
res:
3:39
